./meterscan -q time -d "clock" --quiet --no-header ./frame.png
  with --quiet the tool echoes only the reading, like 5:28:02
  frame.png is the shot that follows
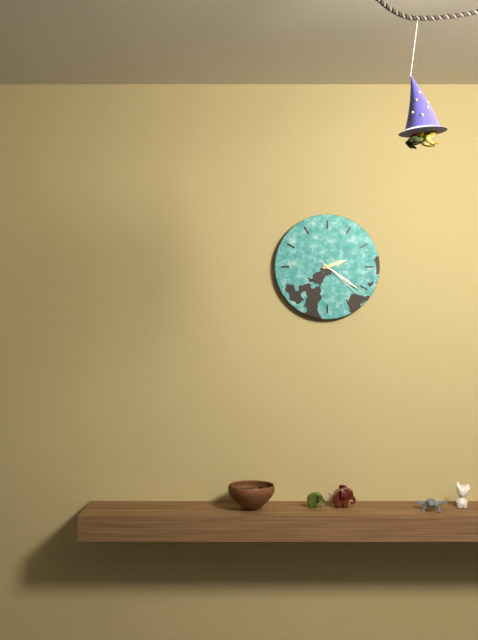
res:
2:21:22
